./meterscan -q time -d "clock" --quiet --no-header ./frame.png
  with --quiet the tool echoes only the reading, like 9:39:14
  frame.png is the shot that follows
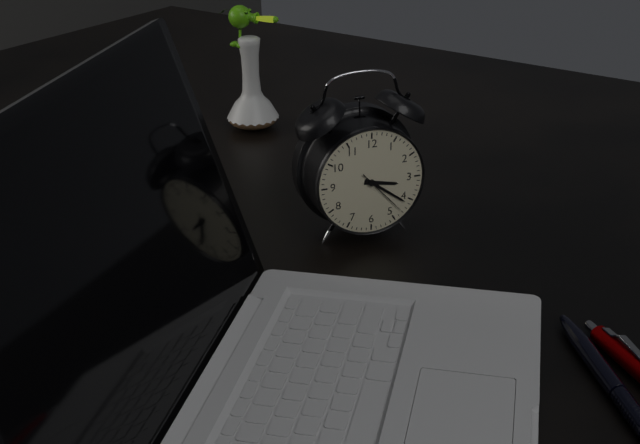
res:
3:21:23
